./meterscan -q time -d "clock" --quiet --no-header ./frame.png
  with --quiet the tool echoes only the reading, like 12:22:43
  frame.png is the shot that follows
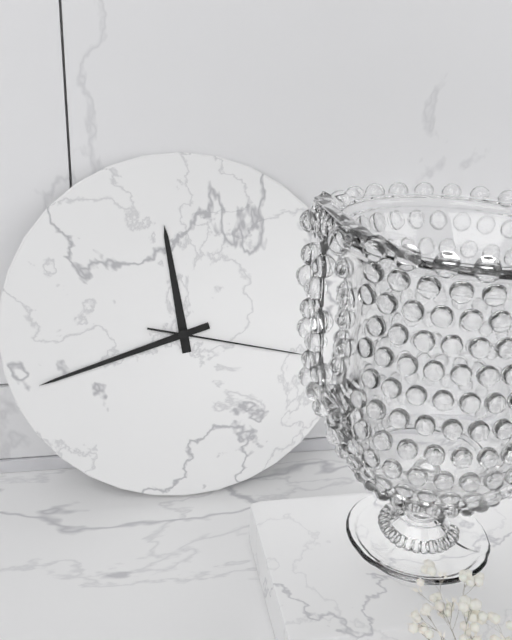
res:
11:42:17
